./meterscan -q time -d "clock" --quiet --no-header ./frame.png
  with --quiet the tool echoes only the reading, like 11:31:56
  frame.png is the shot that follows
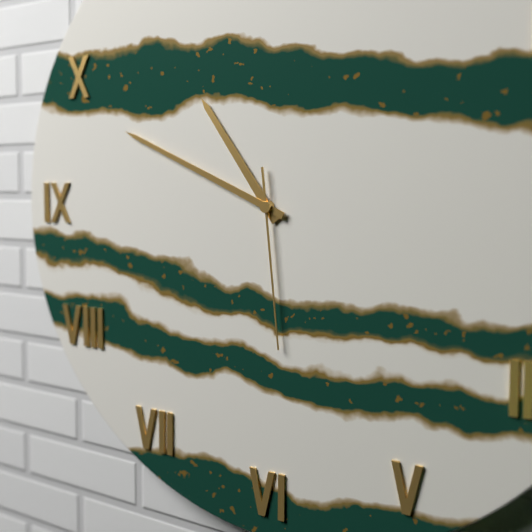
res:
10:49:29
